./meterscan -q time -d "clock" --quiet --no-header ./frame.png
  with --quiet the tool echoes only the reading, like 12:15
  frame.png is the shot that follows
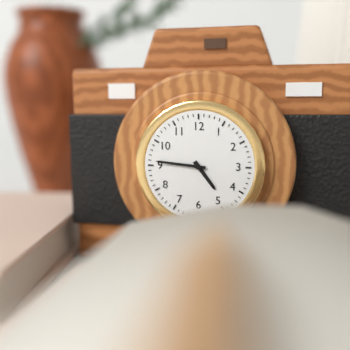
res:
4:46
